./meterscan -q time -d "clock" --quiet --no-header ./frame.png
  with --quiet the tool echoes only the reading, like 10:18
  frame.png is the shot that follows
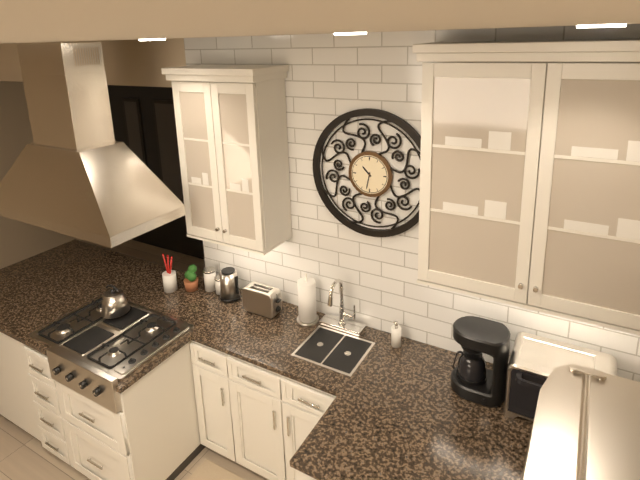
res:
10:32
